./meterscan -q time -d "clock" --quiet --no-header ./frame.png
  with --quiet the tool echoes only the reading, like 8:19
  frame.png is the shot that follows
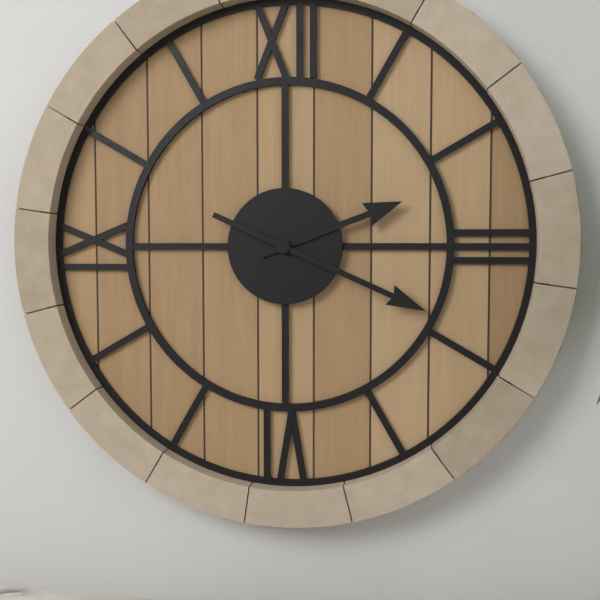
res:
2:19
